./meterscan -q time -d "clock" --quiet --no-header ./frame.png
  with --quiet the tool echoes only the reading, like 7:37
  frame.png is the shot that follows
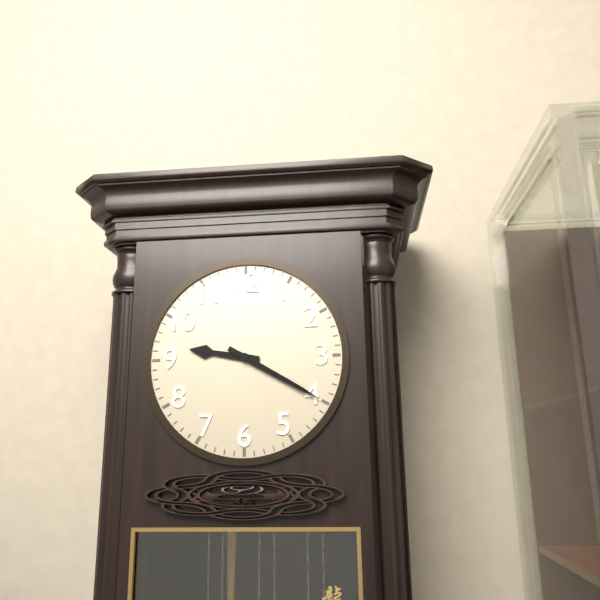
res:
9:20
